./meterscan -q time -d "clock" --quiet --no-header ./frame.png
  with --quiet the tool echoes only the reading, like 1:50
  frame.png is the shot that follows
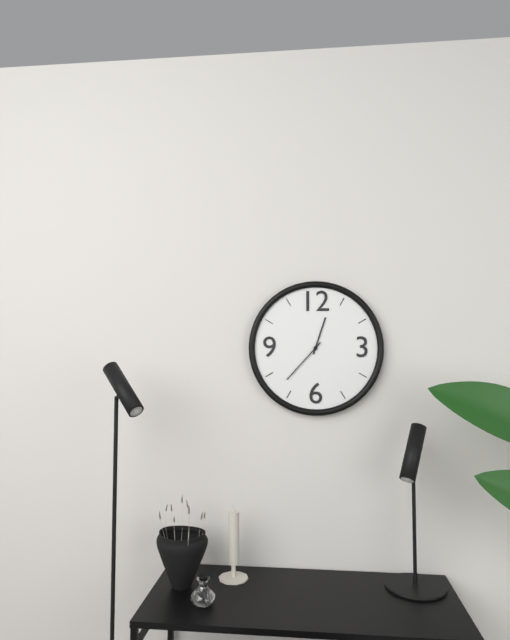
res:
12:37
